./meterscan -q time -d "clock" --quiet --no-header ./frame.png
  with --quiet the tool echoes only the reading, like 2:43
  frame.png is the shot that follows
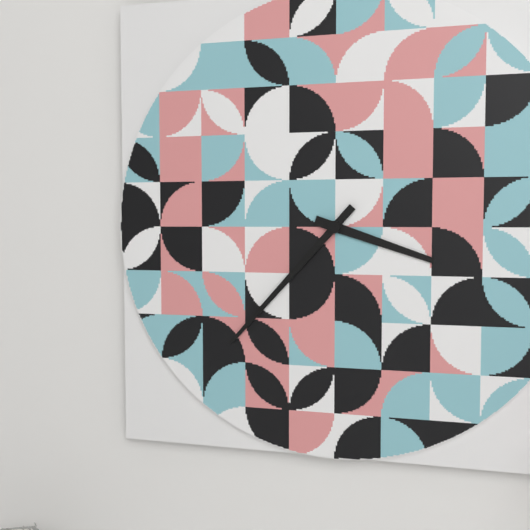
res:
3:37
